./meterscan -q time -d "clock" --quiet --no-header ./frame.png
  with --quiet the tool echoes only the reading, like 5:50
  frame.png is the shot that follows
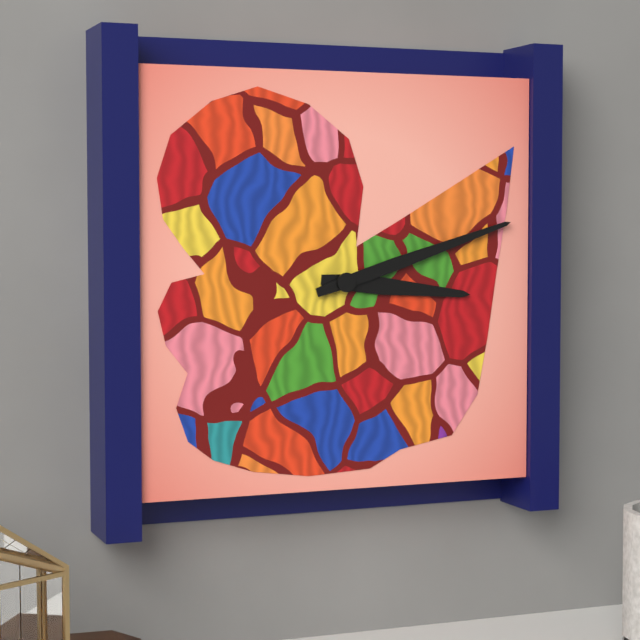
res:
3:12
